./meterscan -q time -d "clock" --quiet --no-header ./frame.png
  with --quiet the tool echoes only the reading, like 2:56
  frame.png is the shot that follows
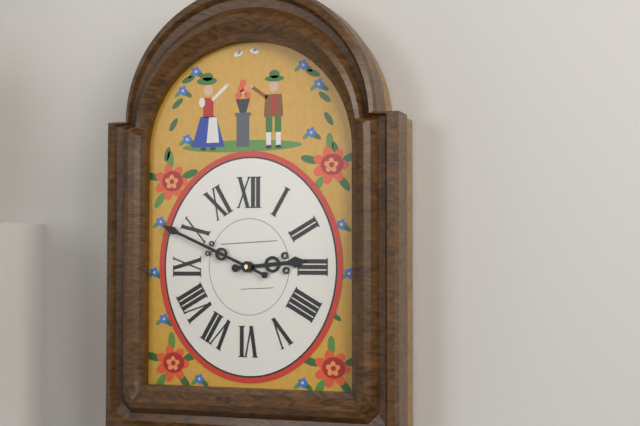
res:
2:49
